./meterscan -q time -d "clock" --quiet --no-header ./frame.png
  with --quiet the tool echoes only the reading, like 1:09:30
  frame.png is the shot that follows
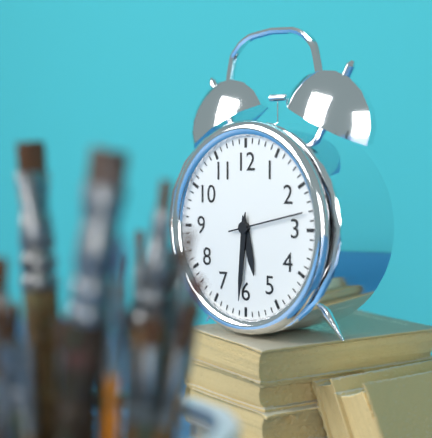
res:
5:31:13
